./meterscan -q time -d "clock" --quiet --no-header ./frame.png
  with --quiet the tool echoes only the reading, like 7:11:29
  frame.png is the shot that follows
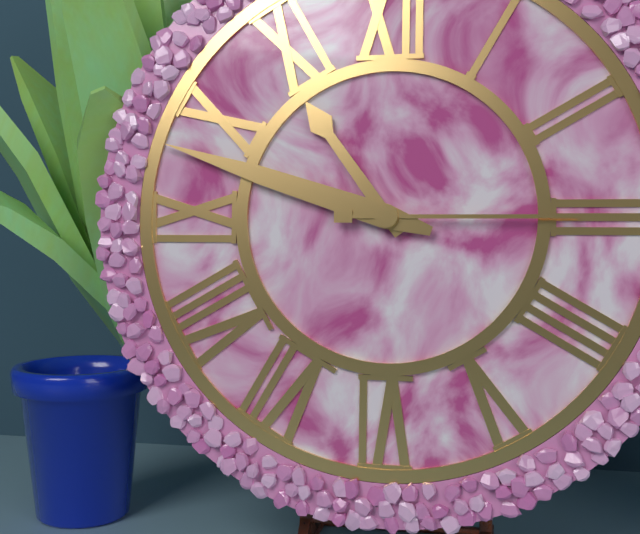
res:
10:48:15
